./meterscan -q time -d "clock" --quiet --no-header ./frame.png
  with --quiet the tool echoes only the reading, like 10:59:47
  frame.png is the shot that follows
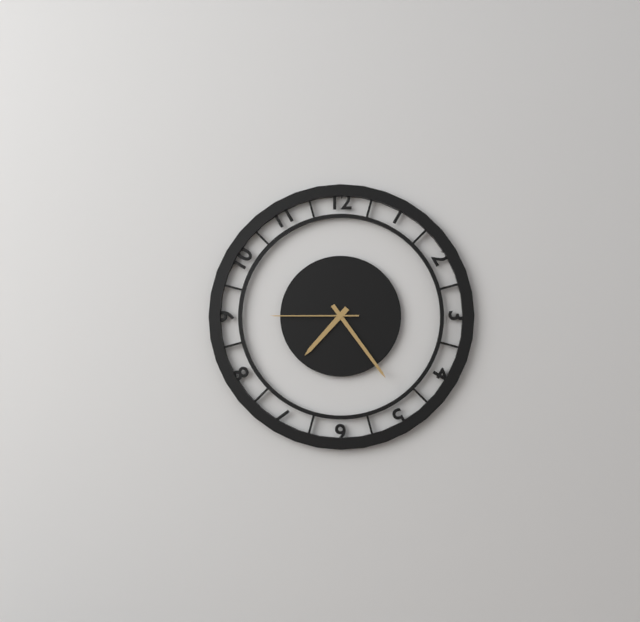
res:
7:24:45
